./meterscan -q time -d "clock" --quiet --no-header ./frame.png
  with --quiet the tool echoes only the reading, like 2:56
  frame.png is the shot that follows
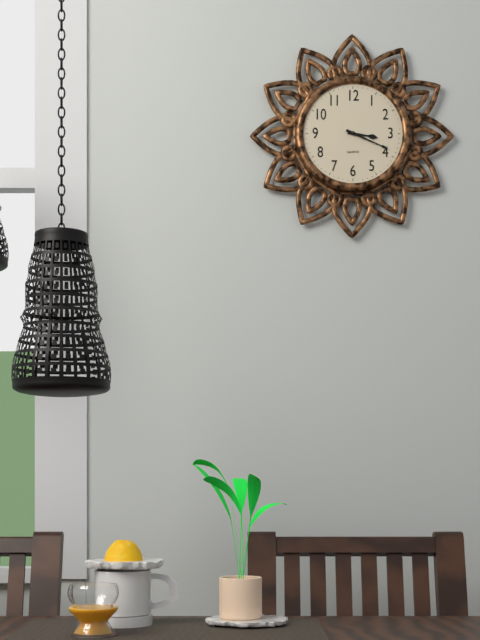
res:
3:19
